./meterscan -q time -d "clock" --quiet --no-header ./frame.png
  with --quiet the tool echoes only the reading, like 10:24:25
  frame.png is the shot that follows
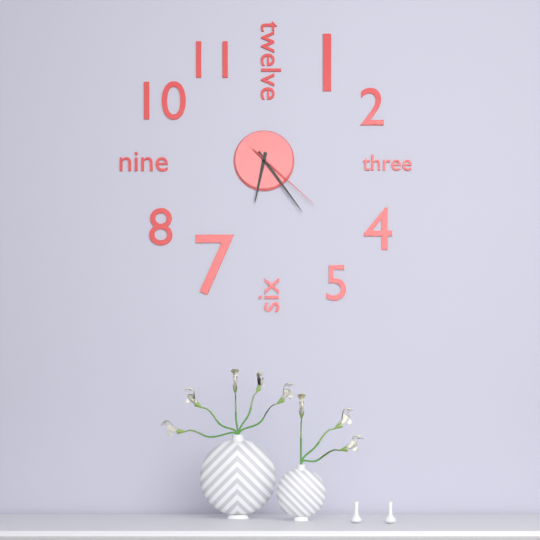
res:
6:24:22
